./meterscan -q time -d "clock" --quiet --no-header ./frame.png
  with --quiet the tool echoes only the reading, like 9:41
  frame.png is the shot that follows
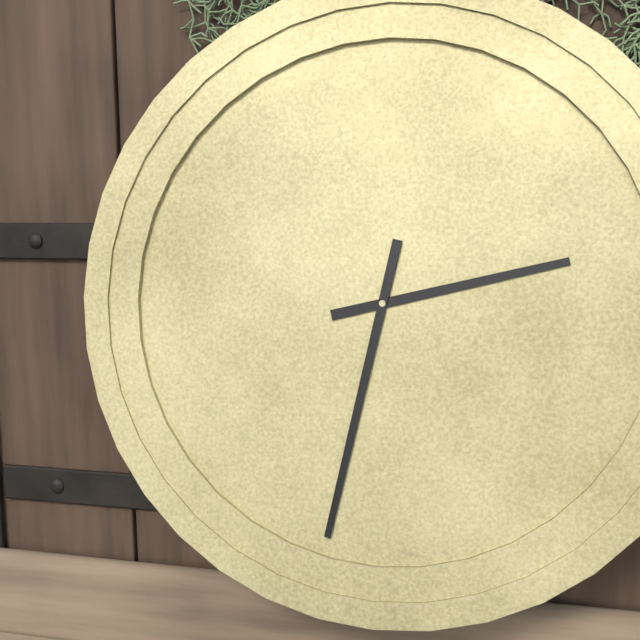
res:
2:32
